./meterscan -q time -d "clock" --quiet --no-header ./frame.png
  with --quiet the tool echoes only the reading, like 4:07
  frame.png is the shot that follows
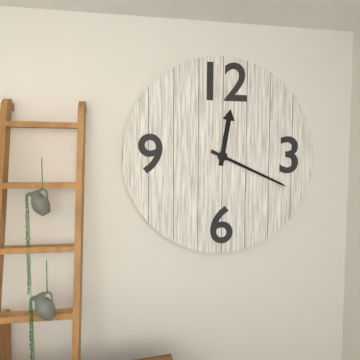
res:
12:19
